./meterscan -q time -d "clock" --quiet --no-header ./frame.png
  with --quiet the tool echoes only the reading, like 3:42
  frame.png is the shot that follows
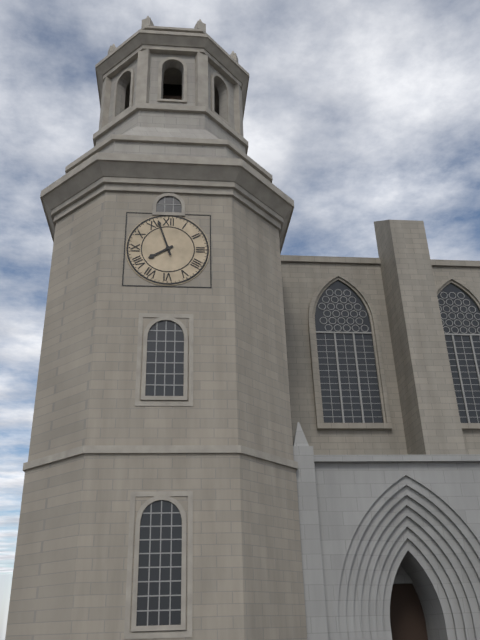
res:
7:57
